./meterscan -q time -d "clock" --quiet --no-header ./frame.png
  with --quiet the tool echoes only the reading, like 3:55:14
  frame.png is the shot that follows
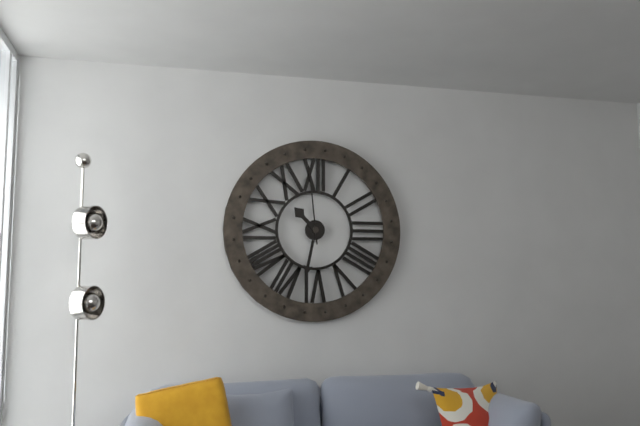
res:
10:32:59
